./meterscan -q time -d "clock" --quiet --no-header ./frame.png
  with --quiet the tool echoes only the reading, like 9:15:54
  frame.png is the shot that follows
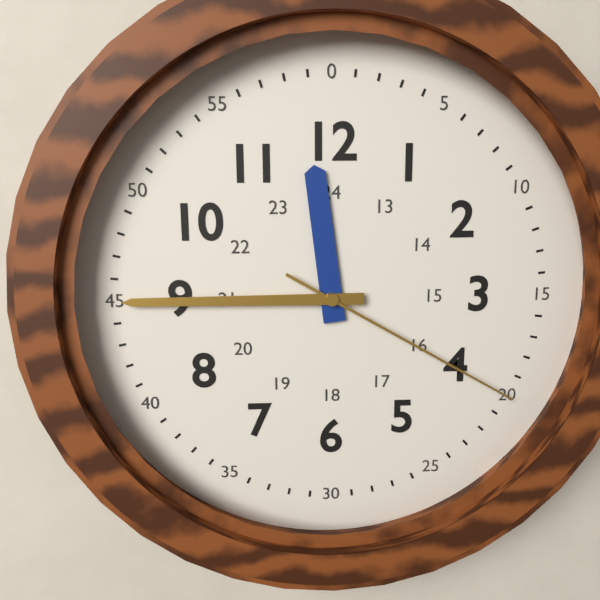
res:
11:45:20
